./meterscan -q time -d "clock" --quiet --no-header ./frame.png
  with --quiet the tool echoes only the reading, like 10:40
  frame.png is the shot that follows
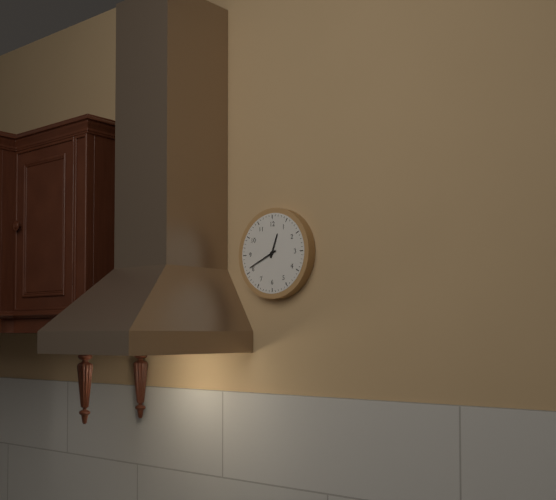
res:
12:41
